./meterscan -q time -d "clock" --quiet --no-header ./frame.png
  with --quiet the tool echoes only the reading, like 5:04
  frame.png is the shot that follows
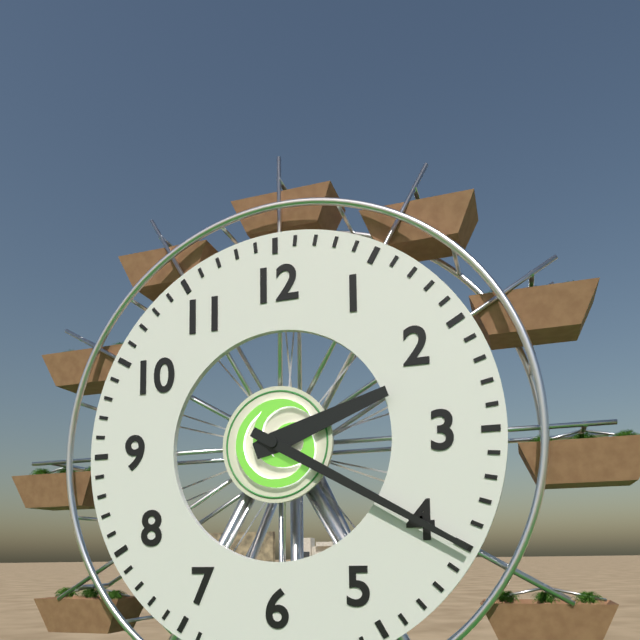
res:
2:20
